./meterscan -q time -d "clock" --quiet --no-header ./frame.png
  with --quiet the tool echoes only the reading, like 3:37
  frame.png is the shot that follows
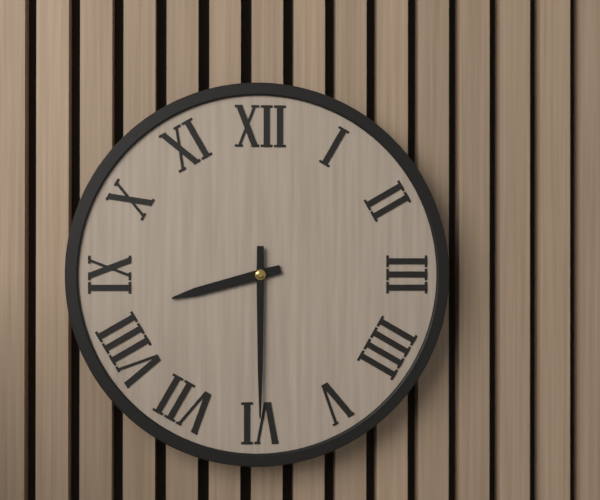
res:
8:30
